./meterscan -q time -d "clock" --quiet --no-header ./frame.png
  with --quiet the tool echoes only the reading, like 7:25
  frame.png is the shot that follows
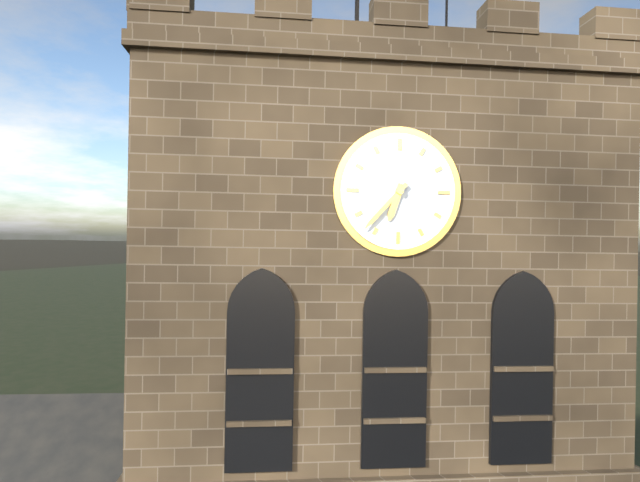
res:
6:37
